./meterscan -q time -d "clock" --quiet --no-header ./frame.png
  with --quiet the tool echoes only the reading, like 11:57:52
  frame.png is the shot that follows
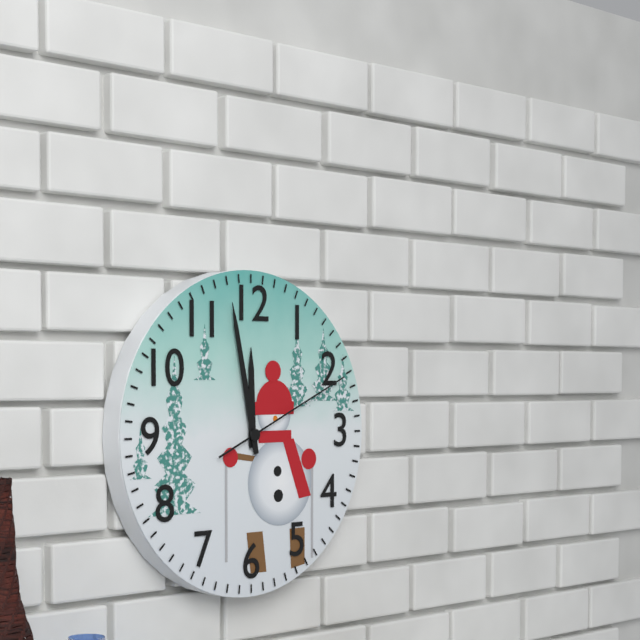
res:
11:58:11
